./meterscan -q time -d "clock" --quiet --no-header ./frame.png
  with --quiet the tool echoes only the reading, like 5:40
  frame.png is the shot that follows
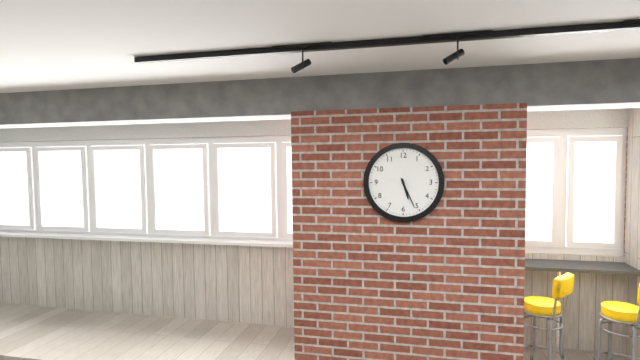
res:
5:26
